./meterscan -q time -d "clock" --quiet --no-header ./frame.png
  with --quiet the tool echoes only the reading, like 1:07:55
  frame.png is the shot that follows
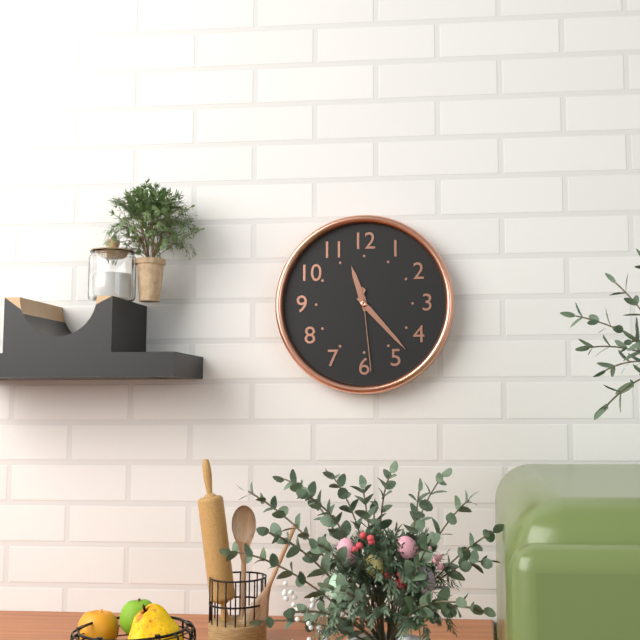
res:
11:23:29
